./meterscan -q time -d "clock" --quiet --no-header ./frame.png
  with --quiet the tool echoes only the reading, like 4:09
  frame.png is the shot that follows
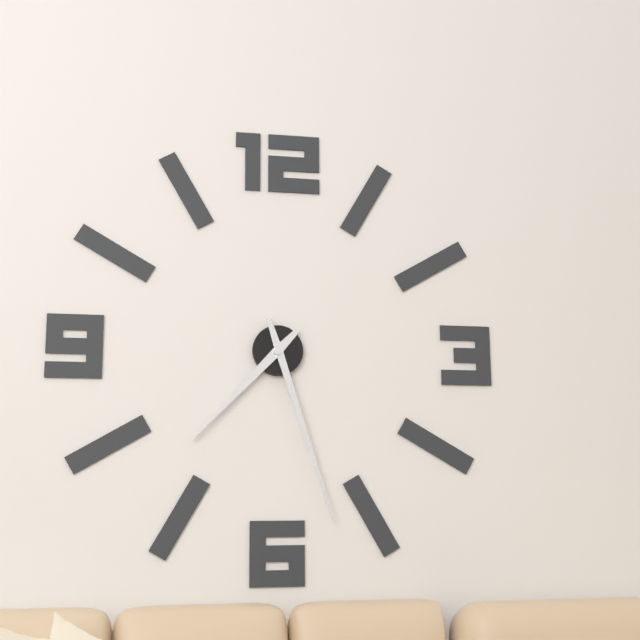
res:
7:27
